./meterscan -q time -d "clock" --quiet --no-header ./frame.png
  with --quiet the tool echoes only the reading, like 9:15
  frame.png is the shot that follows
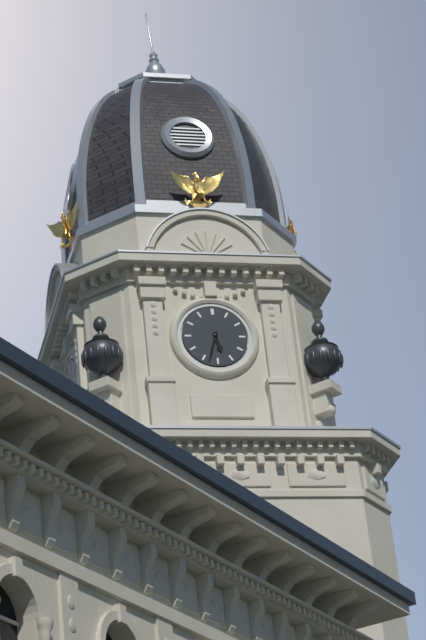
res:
5:33
